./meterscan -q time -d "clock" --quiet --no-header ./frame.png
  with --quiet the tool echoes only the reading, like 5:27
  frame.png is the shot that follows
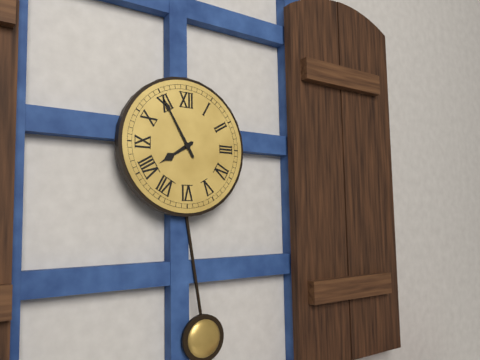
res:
7:55
